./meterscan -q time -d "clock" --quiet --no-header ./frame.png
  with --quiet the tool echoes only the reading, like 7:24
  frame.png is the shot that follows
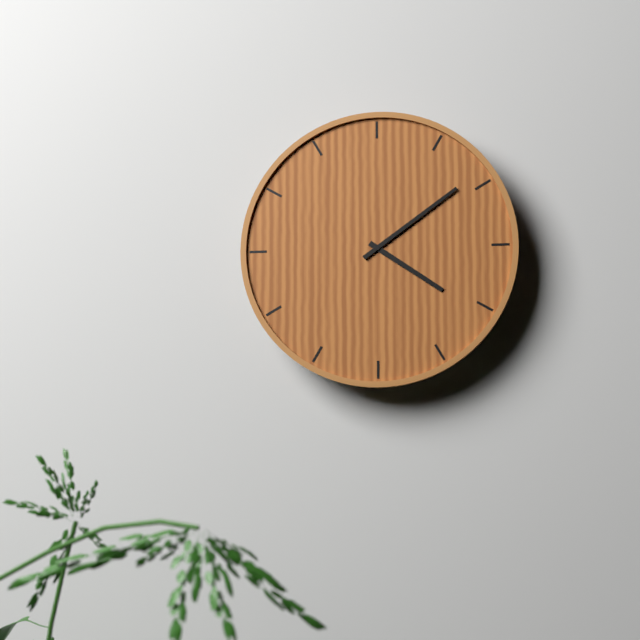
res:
4:09
